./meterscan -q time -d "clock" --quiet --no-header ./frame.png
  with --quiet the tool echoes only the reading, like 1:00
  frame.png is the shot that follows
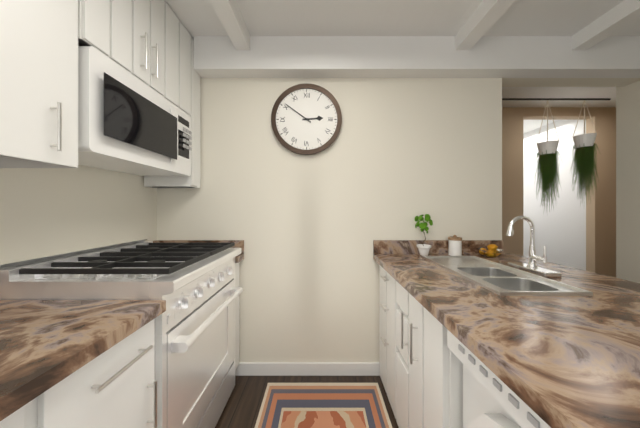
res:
2:51
